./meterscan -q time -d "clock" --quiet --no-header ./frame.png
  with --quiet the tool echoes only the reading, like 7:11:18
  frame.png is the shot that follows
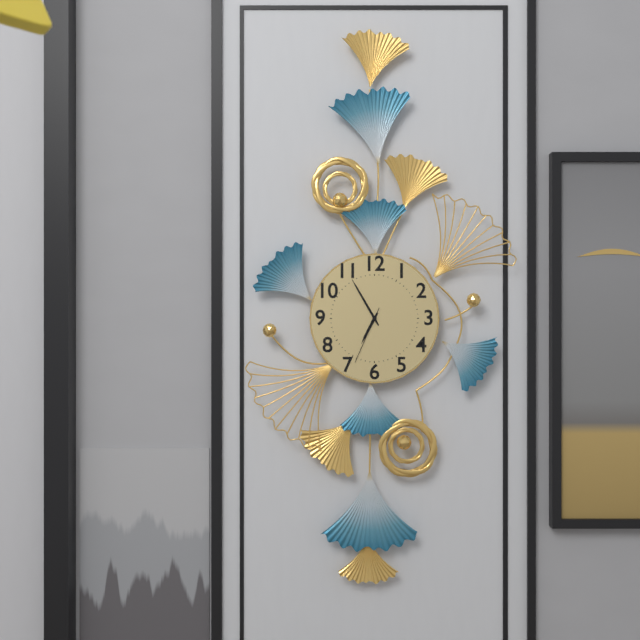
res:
6:55:34
